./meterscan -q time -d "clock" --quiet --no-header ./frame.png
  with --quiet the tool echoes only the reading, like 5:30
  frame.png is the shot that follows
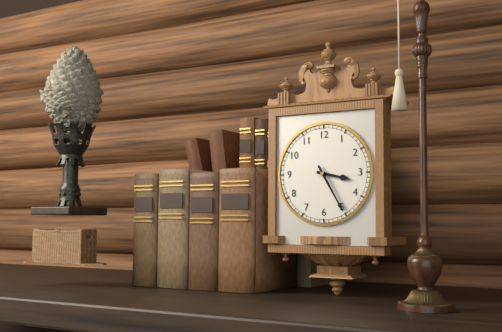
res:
3:25
